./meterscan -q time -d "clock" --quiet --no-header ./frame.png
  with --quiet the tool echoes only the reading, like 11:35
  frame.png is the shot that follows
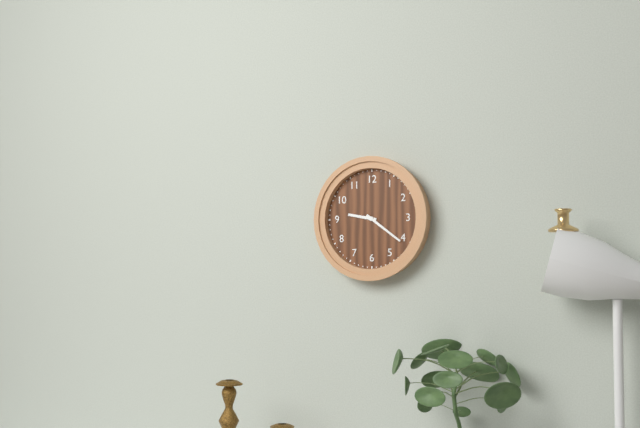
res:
9:21
